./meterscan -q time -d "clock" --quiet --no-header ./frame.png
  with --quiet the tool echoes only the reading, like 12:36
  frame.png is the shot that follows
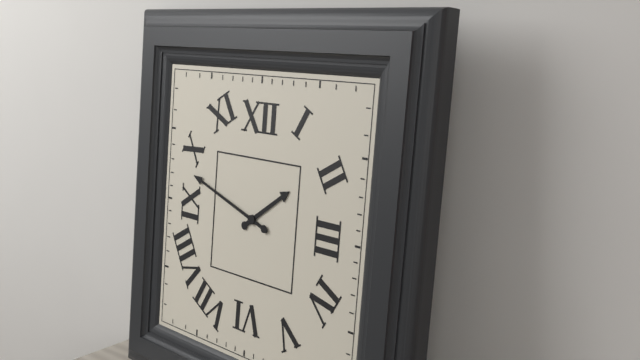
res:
1:48
